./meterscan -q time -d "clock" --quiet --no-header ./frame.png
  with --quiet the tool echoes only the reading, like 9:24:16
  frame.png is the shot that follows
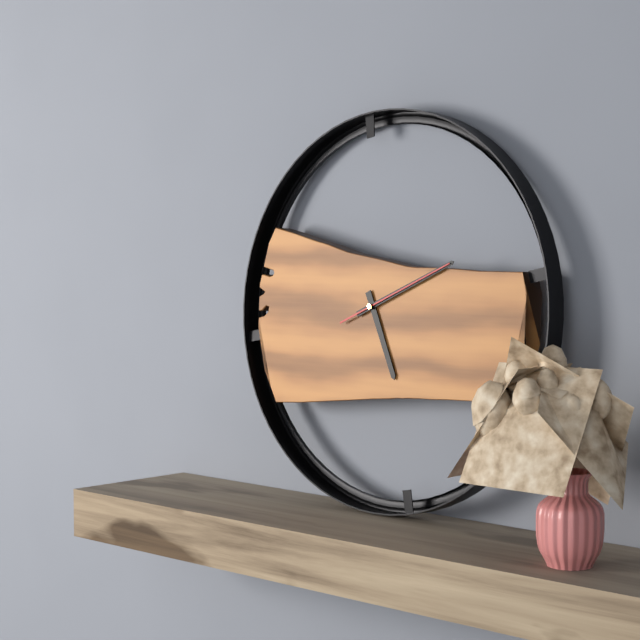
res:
5:11:11
